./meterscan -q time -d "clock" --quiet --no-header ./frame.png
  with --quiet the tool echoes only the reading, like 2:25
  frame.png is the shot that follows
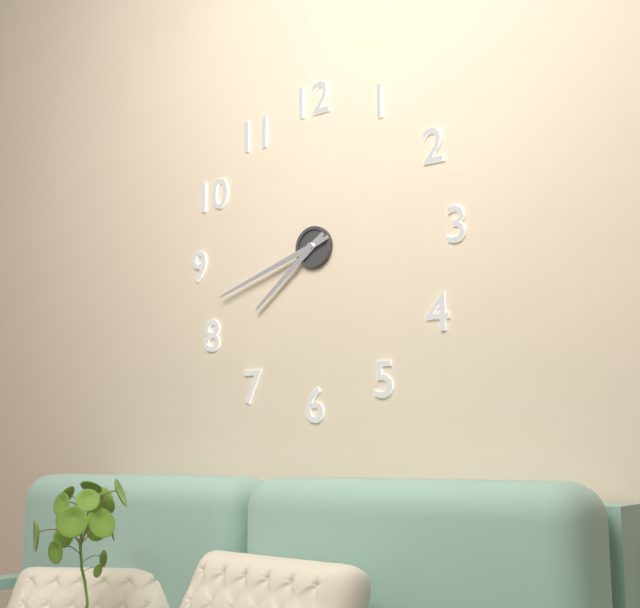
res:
7:42
